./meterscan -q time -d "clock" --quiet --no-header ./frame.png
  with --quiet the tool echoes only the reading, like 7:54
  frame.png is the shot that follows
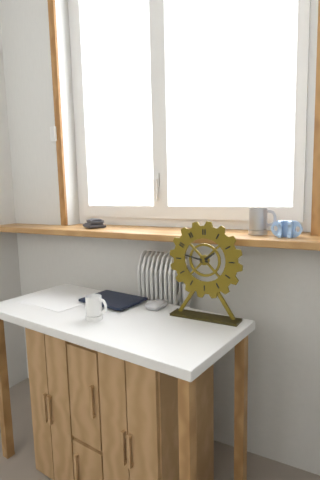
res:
1:47
